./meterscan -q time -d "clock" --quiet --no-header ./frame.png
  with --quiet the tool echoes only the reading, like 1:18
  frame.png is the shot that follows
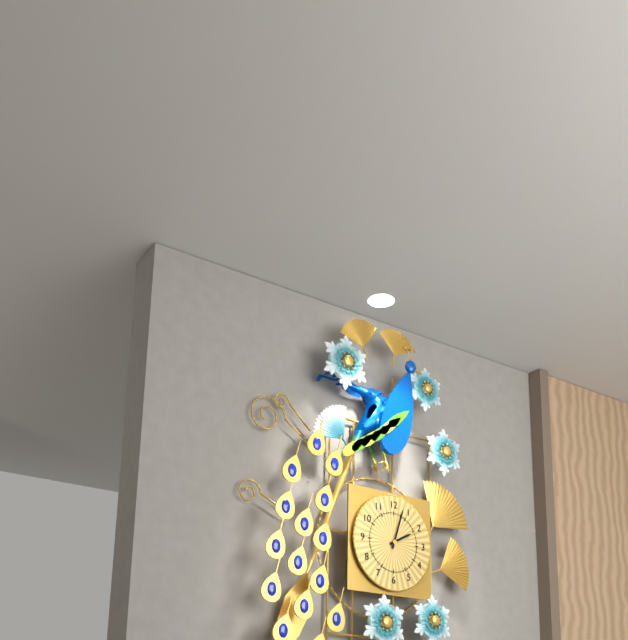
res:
2:03
